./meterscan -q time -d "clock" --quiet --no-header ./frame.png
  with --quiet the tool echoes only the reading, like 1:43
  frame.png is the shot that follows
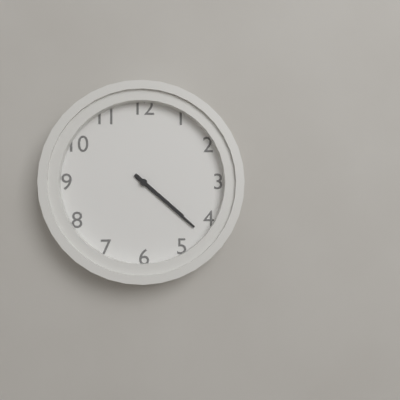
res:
4:22
